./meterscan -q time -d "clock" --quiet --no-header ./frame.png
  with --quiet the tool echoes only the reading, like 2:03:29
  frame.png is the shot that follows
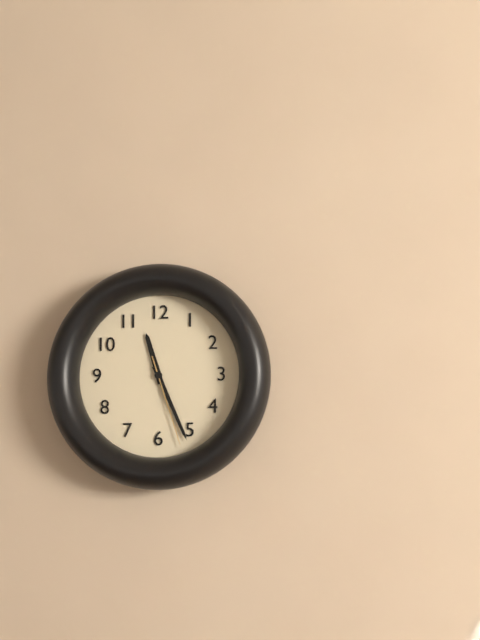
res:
11:26:27
